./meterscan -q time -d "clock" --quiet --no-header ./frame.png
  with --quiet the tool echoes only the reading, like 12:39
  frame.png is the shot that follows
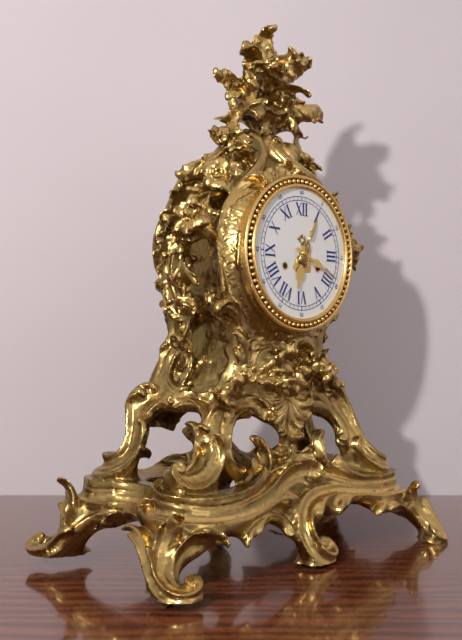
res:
6:19
